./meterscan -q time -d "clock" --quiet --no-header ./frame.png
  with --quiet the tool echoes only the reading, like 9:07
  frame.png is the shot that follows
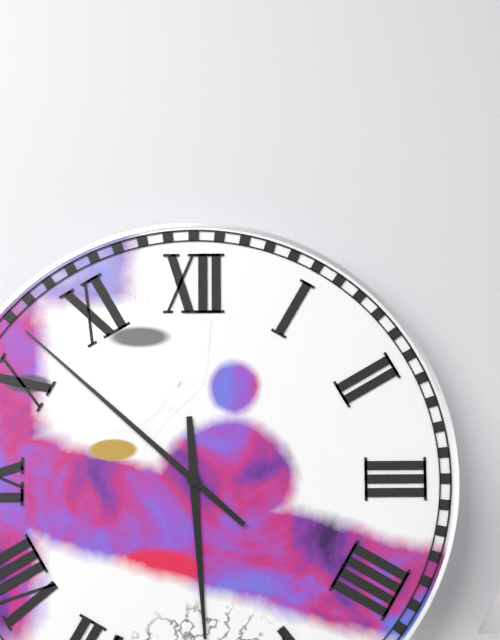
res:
5:52
